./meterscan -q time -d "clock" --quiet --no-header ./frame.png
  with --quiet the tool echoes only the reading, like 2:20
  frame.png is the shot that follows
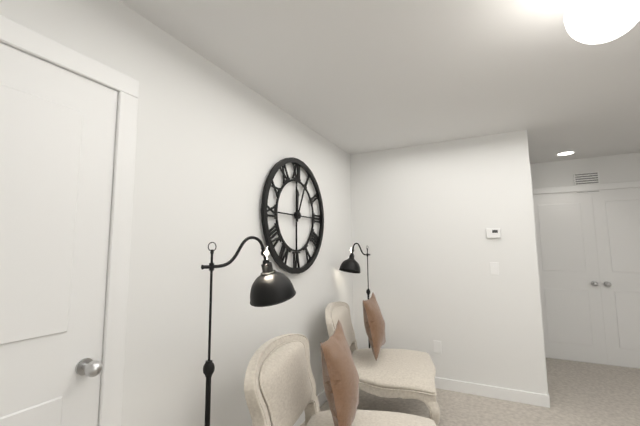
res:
12:04
